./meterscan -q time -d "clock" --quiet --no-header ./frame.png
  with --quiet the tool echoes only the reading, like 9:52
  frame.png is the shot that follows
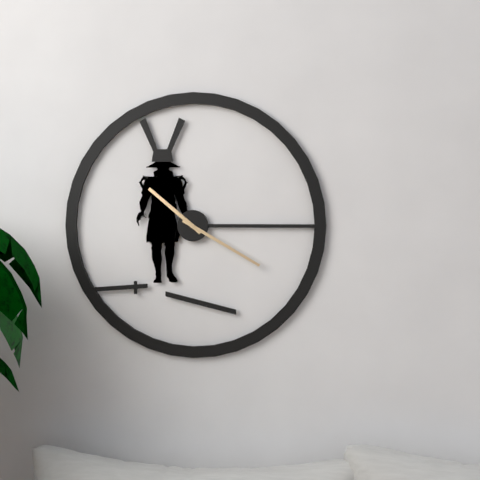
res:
10:20
